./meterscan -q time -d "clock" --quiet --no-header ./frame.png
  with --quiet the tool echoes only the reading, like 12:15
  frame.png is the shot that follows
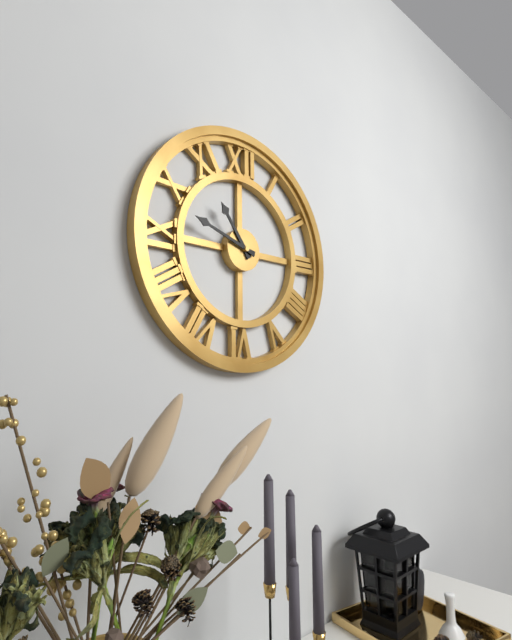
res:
10:48
